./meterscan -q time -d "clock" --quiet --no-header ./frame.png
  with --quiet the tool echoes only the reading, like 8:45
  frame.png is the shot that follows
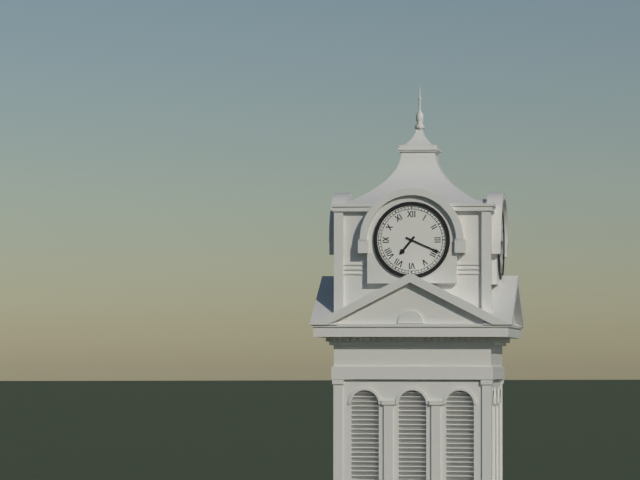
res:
7:19
